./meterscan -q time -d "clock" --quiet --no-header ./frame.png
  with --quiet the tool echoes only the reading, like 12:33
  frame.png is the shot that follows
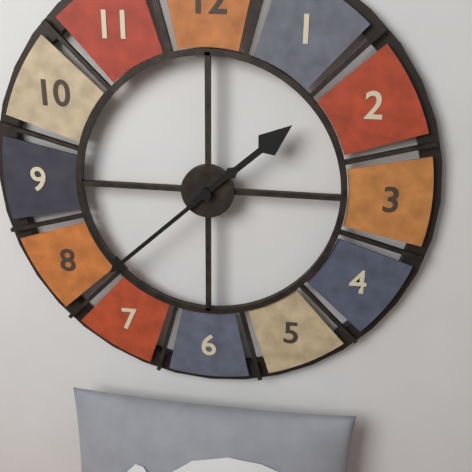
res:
1:38
